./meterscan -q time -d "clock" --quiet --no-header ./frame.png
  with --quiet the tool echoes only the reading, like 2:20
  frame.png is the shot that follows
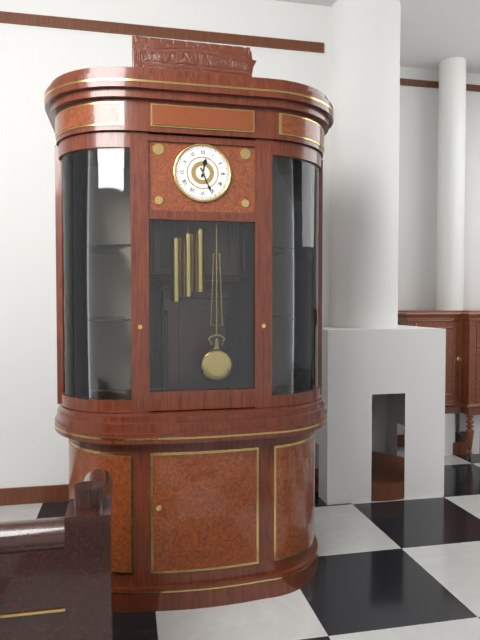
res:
12:26
